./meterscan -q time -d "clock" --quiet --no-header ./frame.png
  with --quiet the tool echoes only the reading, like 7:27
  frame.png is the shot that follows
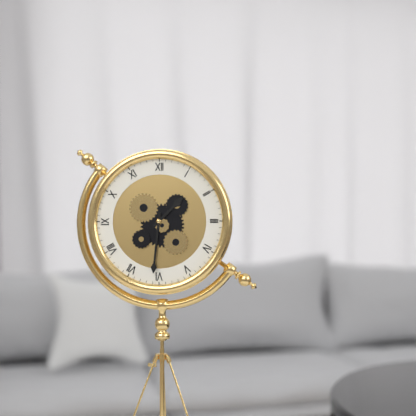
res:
1:31
